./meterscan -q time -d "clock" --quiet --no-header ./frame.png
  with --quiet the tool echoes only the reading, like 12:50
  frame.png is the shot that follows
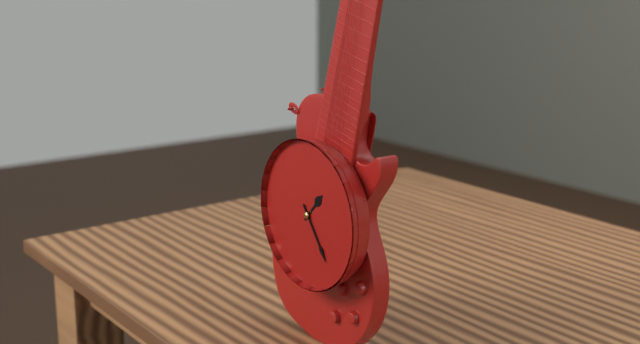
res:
1:24
